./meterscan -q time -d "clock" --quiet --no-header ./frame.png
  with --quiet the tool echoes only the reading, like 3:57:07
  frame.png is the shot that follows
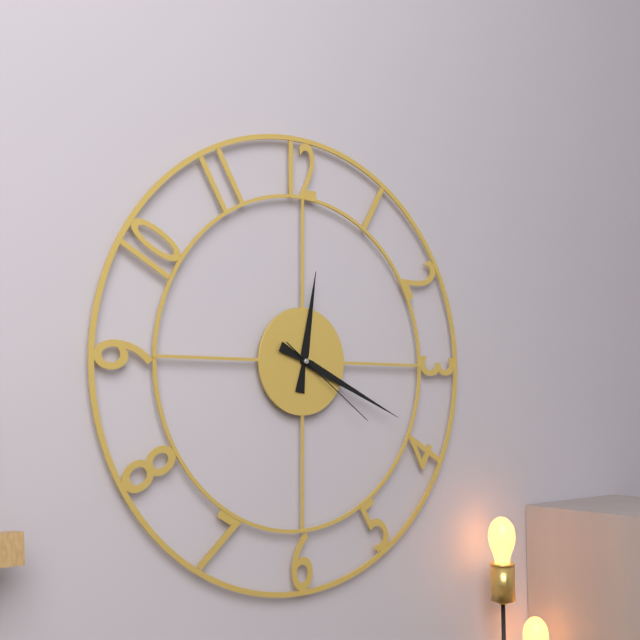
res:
12:19:21
